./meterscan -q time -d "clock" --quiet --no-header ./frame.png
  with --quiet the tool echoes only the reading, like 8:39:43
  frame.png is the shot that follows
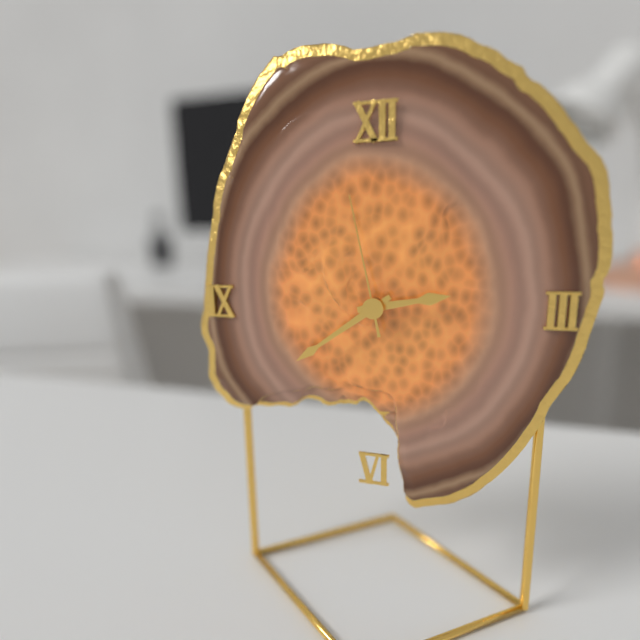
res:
2:39:58
